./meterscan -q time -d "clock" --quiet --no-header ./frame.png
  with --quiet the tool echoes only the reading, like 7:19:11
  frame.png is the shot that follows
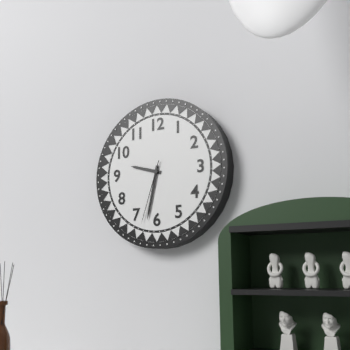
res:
9:32:33
